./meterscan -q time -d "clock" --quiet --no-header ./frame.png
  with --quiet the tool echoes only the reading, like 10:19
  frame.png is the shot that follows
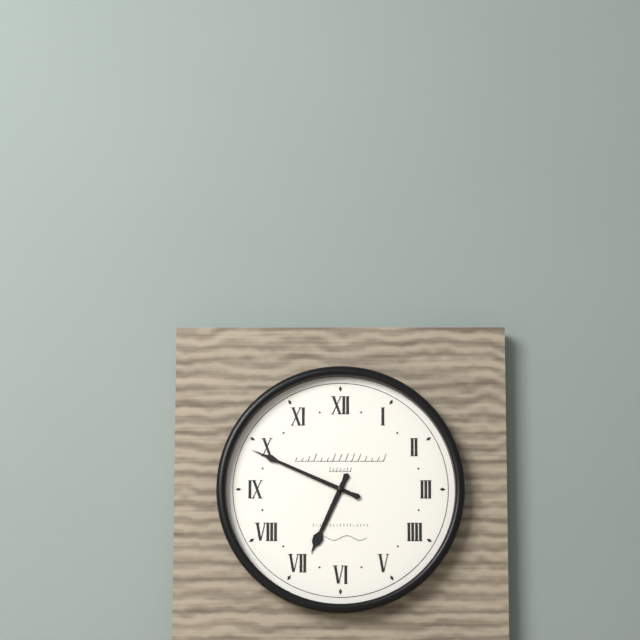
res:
6:49
